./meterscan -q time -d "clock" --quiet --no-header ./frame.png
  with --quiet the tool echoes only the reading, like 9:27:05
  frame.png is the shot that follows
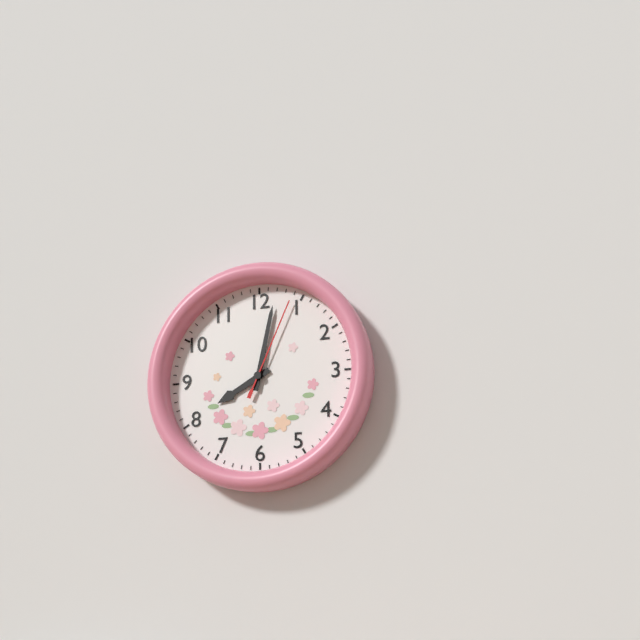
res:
8:02:04
